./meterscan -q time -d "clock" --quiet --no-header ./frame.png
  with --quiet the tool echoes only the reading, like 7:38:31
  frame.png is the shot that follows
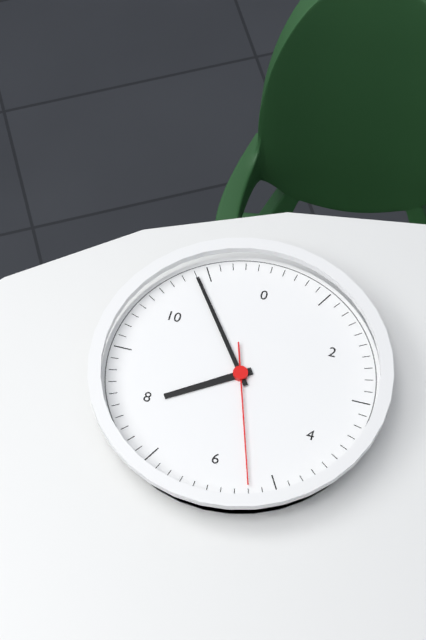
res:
7:54:27
